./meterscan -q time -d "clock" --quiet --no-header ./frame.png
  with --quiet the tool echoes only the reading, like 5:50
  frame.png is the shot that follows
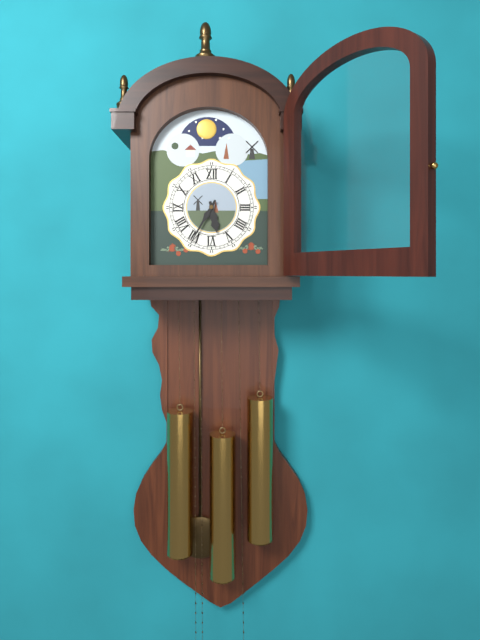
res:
5:35
